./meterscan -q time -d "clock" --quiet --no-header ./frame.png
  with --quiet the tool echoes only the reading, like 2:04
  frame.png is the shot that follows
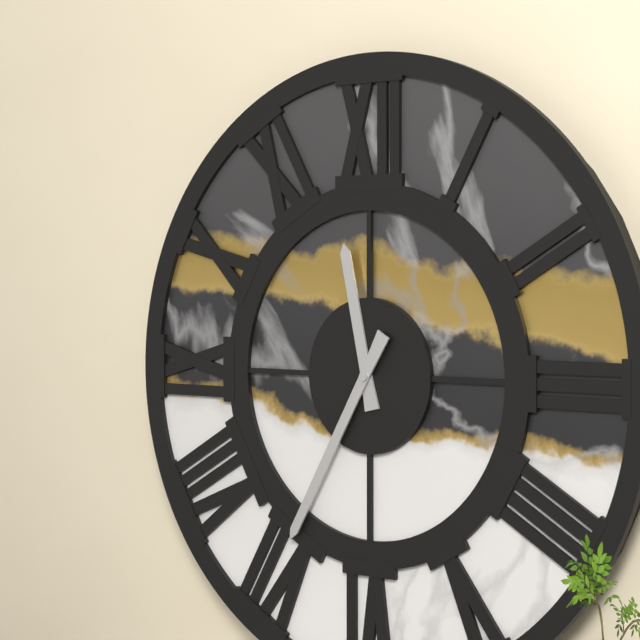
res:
11:35
